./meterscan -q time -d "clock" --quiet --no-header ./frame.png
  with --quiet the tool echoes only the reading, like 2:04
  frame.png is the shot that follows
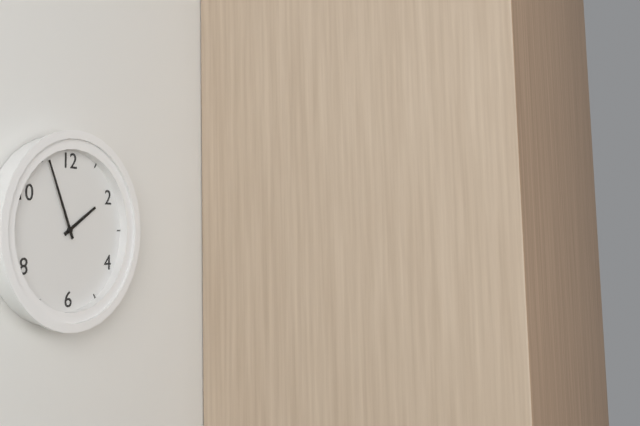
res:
1:56
